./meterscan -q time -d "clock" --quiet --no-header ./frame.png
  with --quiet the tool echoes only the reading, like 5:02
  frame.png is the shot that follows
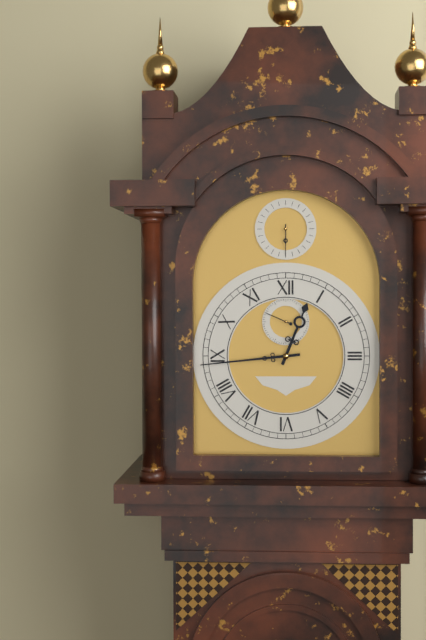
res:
12:44
